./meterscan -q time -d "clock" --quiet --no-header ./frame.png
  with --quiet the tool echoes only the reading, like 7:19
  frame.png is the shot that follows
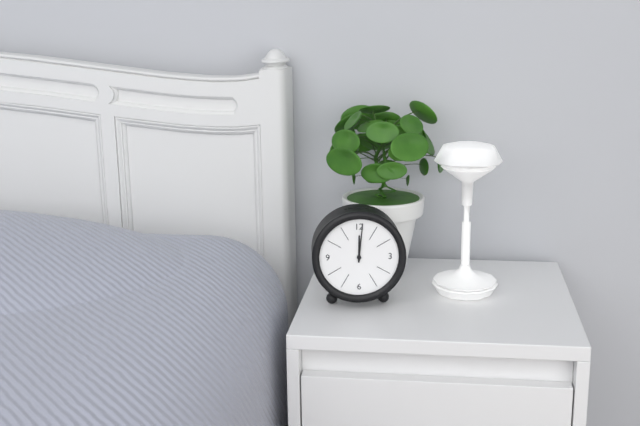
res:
12:01
